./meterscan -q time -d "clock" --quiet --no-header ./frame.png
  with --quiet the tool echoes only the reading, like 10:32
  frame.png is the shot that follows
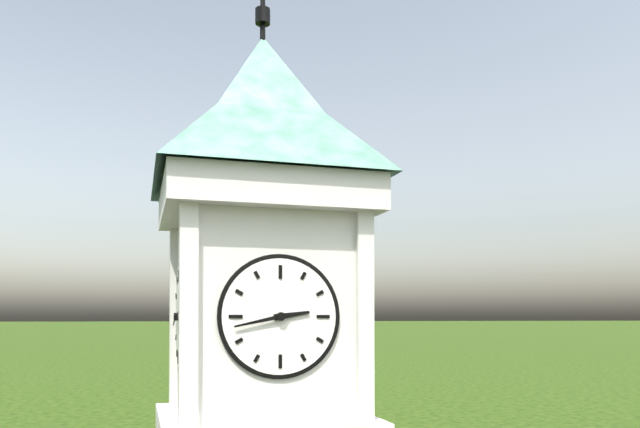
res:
2:43
